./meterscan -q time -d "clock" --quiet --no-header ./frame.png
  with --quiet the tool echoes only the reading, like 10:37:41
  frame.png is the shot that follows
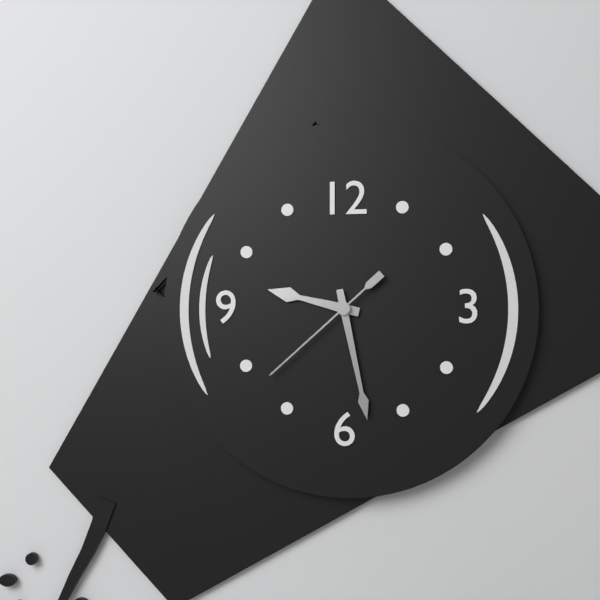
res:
9:28:38
